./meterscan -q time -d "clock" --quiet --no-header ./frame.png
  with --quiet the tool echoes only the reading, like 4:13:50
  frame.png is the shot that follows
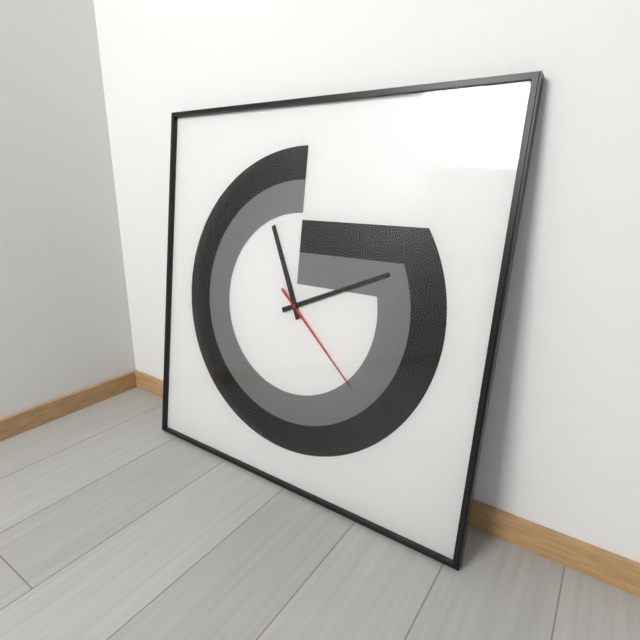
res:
11:11:22
